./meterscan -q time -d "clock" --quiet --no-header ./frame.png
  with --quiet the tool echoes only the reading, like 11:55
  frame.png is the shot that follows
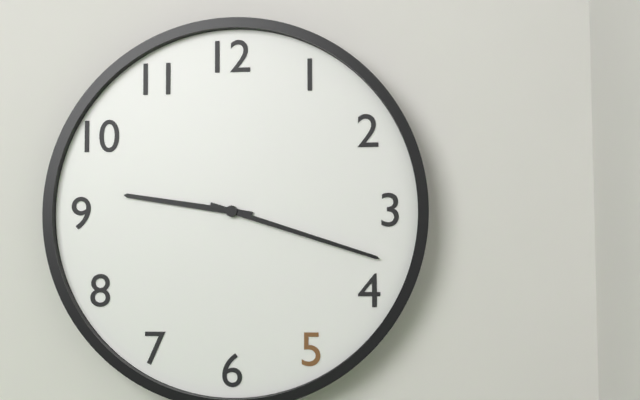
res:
9:18
